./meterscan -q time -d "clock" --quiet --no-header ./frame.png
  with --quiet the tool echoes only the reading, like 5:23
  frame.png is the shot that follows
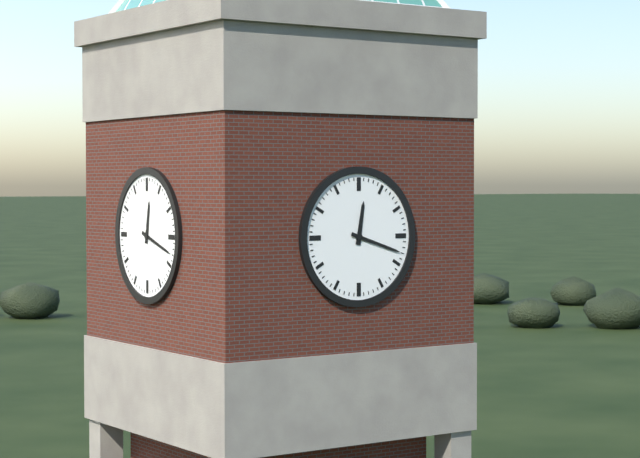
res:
12:18
